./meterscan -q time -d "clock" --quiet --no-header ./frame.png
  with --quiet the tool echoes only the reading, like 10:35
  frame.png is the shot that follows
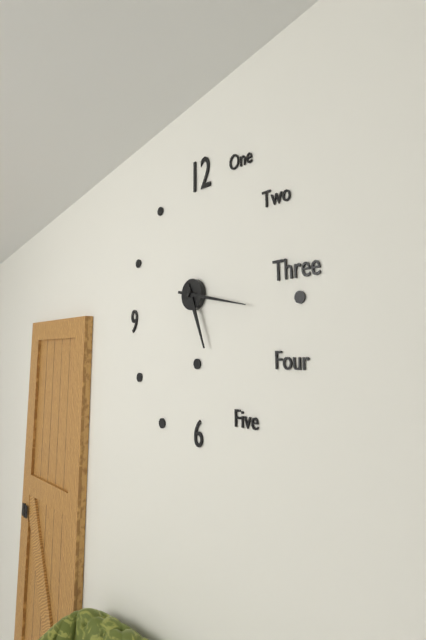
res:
5:17
